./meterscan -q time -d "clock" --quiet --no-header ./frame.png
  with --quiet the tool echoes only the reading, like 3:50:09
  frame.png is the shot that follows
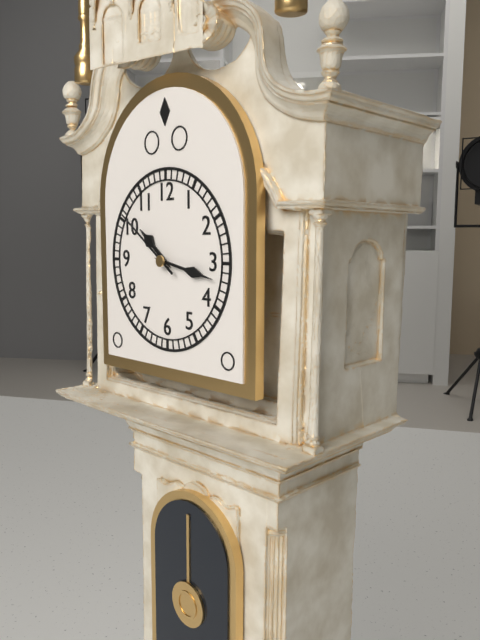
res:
10:17:51
